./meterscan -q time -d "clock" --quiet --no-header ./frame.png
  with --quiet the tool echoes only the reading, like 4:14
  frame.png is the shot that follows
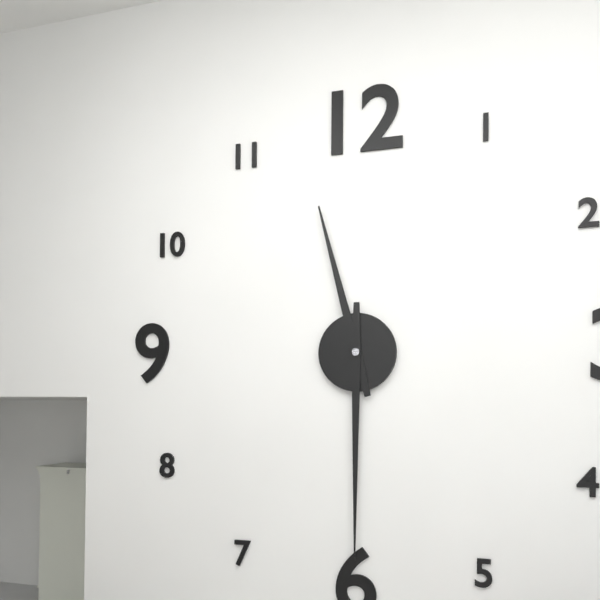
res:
11:30
